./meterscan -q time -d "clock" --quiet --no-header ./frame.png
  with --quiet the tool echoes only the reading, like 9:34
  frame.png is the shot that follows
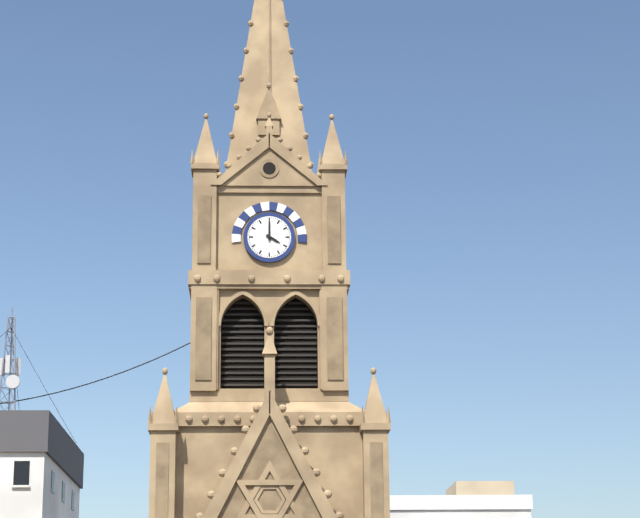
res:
4:00
